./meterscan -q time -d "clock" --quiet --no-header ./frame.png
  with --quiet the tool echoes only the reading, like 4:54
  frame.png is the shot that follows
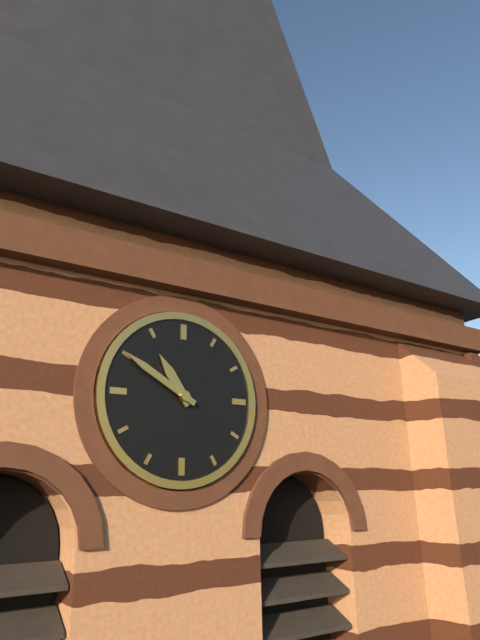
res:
10:50
